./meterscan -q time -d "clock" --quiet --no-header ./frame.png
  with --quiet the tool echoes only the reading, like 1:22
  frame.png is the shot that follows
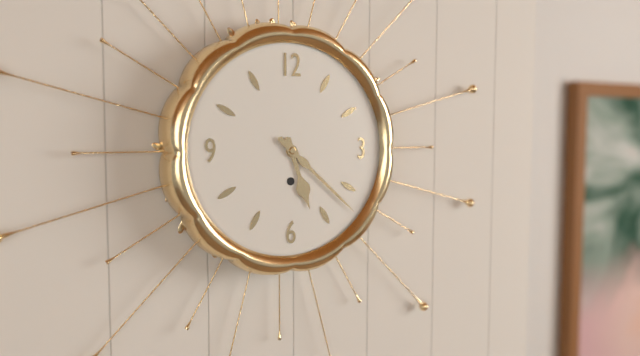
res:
5:22
